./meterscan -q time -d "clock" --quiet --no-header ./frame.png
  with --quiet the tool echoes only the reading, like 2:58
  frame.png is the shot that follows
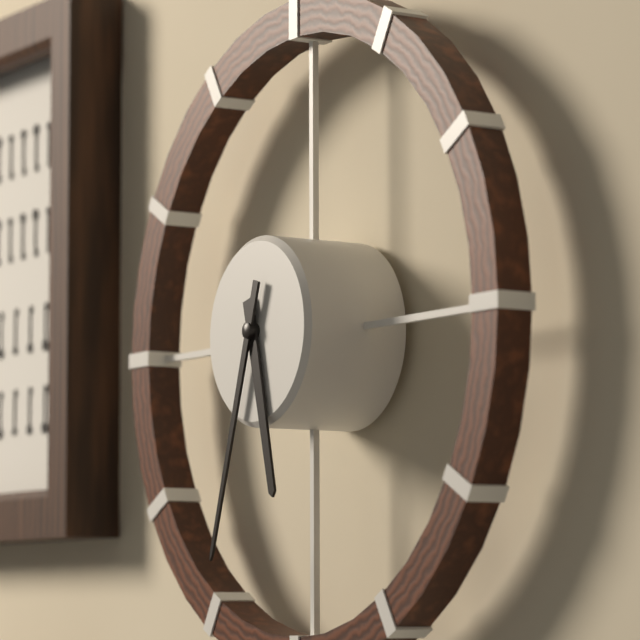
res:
5:33
